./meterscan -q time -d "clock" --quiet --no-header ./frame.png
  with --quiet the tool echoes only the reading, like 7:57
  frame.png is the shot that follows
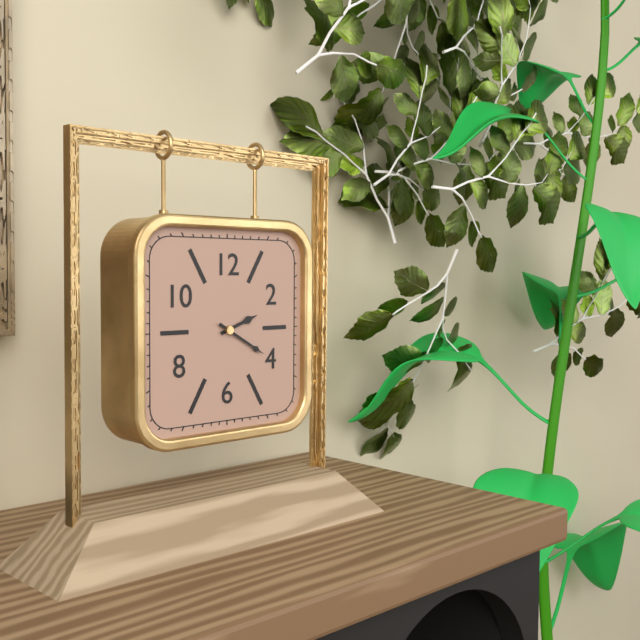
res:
2:20
